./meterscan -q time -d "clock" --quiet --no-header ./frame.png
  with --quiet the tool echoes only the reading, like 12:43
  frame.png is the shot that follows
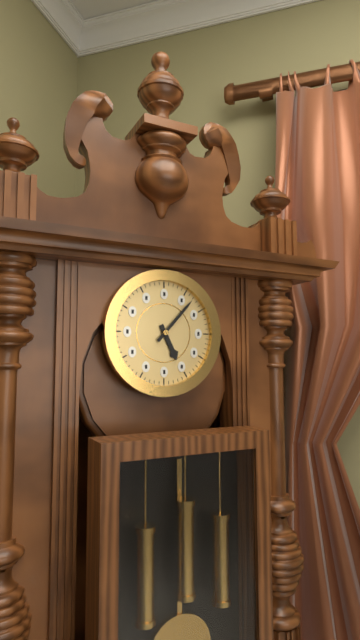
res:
5:07
